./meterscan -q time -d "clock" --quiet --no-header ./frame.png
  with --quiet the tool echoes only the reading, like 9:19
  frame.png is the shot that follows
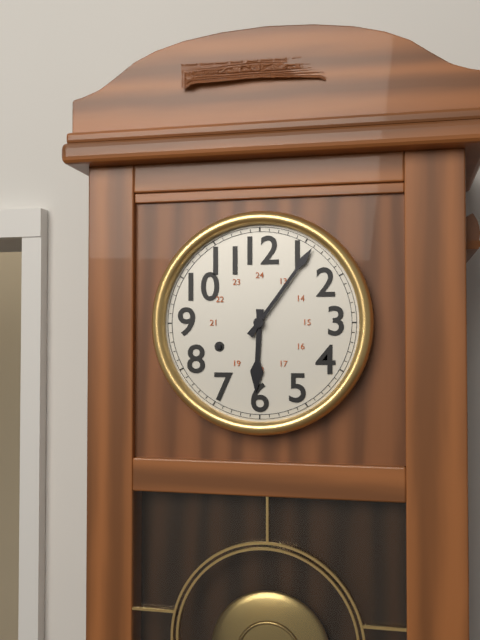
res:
6:06
